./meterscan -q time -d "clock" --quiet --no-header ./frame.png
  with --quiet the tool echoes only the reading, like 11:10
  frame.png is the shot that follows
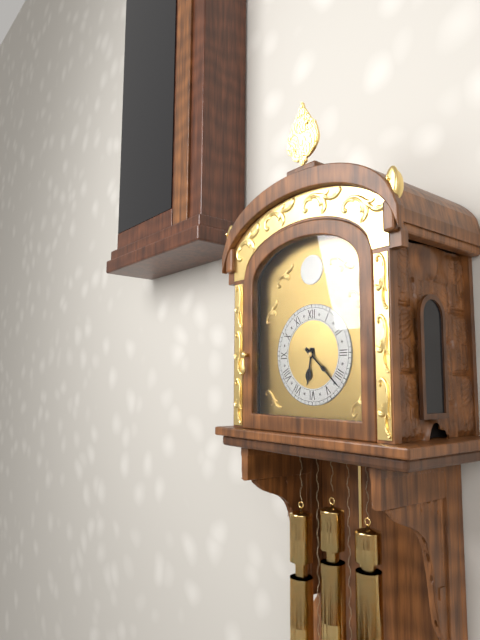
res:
6:22
